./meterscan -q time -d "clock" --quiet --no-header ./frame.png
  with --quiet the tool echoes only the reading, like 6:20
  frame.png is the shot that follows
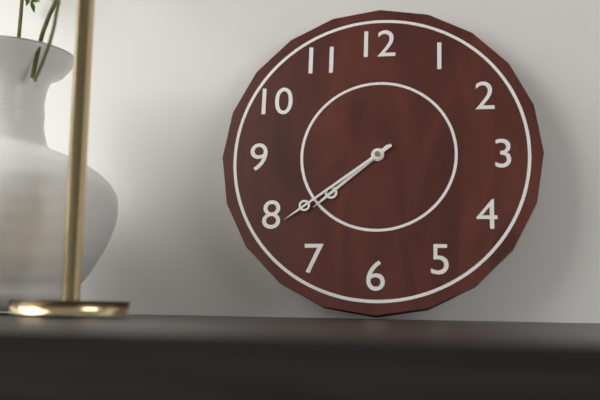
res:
7:39
